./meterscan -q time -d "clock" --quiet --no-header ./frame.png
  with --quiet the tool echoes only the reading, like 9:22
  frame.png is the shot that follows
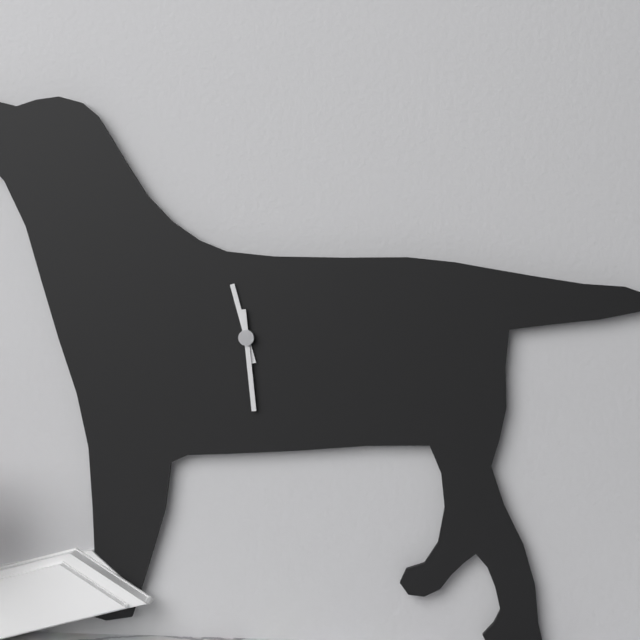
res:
11:29
